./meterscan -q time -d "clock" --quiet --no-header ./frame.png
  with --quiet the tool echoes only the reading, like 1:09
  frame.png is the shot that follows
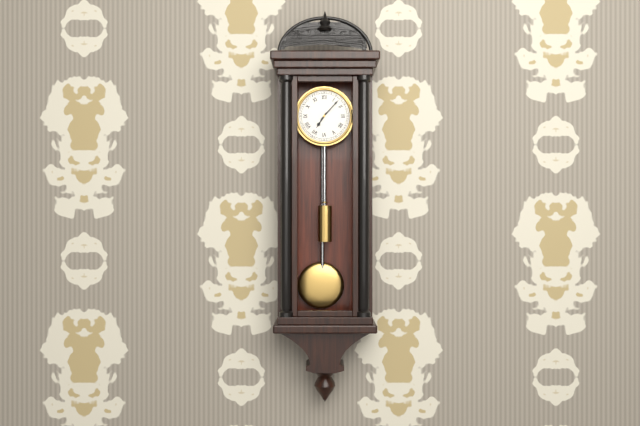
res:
7:07
